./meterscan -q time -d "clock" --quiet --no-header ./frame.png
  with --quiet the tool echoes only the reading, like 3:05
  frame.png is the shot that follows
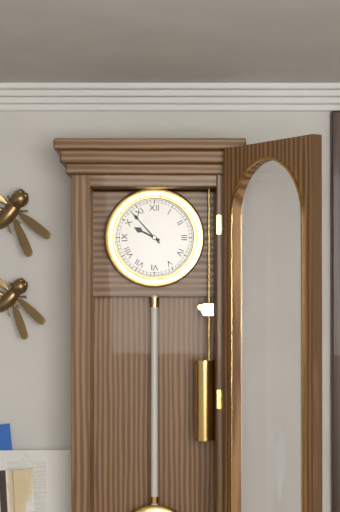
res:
9:53
